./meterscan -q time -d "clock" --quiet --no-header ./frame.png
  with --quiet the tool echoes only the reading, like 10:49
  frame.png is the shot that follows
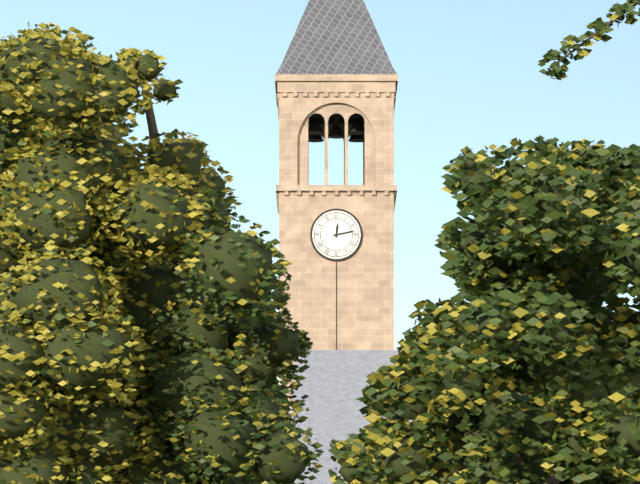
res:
12:13
